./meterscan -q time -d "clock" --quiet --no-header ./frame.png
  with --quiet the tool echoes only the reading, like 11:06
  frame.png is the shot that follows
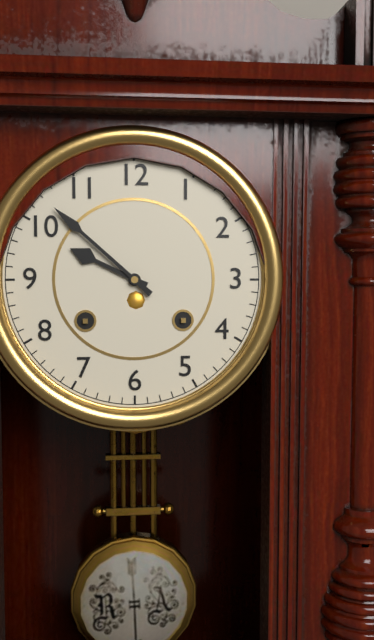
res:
9:52
